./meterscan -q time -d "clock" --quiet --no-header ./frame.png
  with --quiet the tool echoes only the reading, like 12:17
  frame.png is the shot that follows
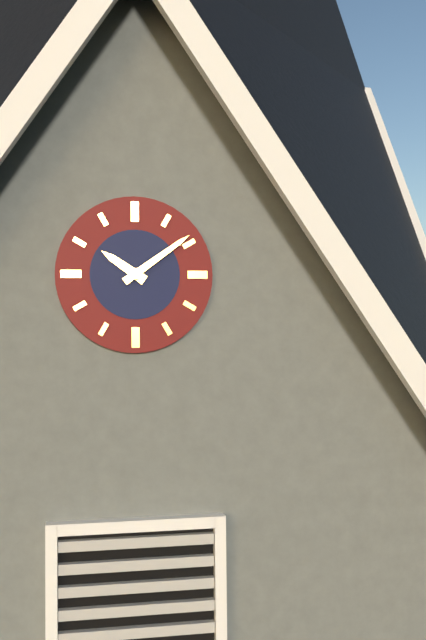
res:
10:09
